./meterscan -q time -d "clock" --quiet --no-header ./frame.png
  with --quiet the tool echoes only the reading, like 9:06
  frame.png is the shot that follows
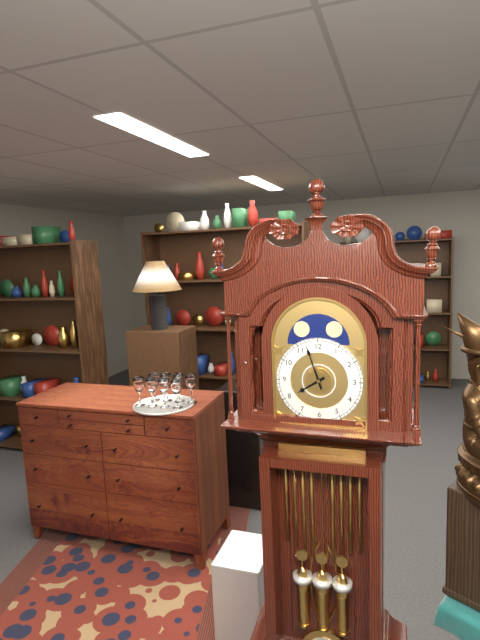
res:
7:57
